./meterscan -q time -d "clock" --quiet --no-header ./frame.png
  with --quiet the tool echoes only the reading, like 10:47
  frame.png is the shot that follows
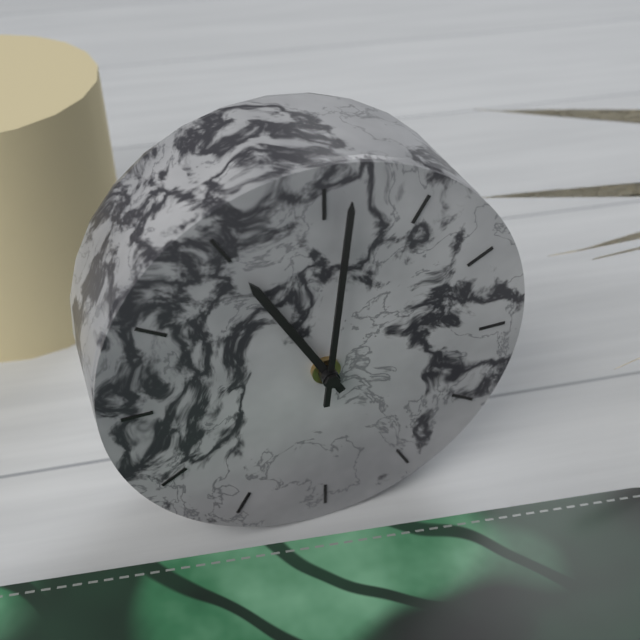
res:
11:01
